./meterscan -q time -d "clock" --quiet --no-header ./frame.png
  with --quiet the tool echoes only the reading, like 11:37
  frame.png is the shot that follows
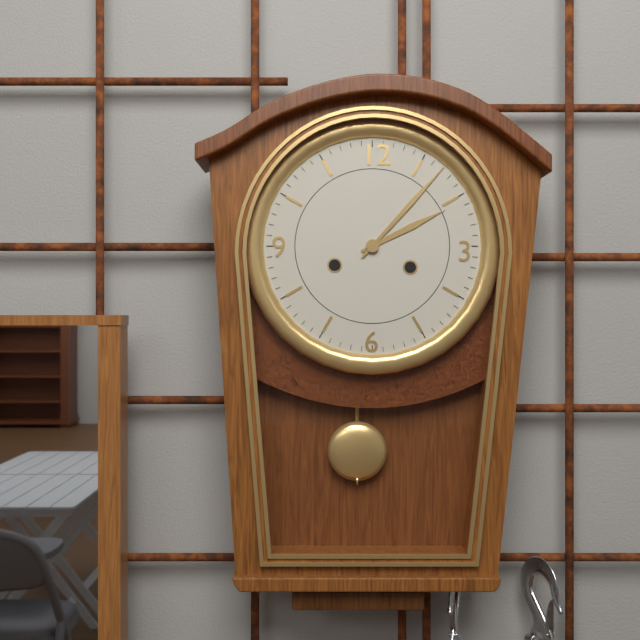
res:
2:07
